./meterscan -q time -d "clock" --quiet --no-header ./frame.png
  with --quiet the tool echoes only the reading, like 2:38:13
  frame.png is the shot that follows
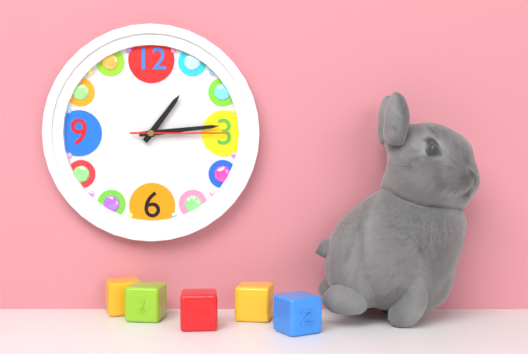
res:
1:14:15
